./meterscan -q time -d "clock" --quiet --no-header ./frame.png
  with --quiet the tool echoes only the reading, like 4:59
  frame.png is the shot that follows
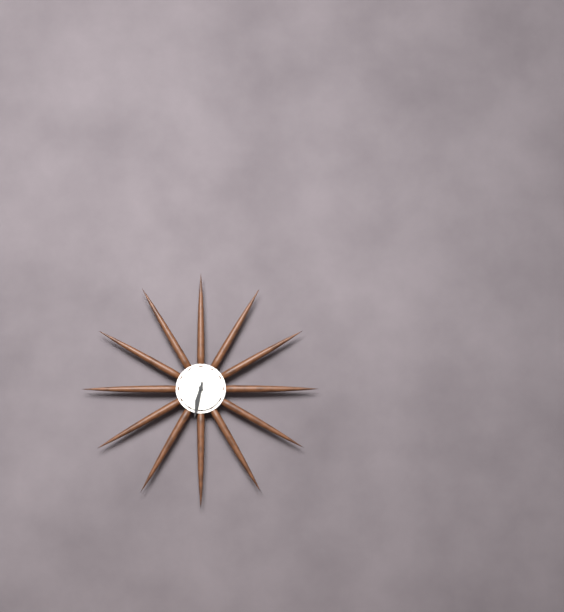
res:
6:32
